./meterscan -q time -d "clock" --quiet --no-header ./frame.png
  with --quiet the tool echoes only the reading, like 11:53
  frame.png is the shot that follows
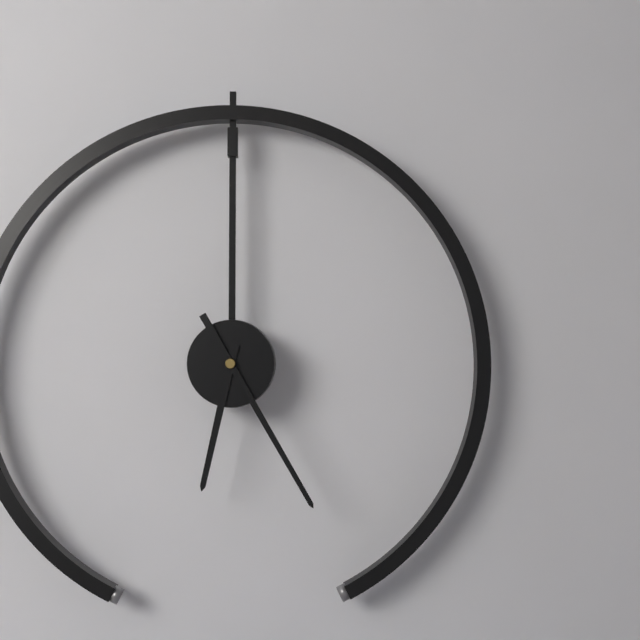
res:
6:25
